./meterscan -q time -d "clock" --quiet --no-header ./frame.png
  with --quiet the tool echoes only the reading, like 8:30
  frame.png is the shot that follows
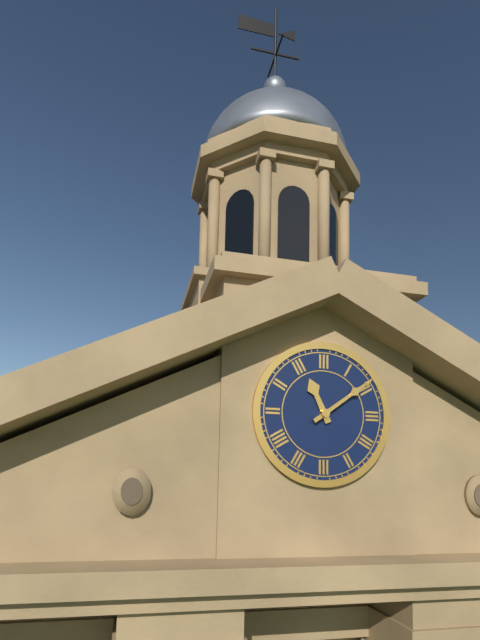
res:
11:09
